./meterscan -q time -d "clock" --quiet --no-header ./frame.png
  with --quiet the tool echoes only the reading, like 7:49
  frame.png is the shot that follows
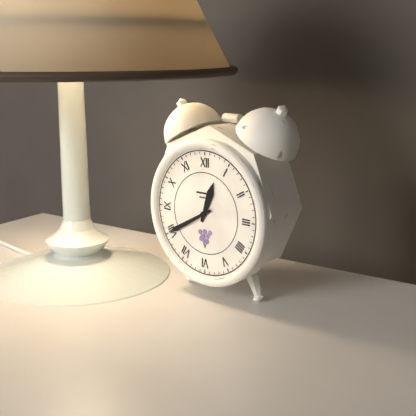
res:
12:40
